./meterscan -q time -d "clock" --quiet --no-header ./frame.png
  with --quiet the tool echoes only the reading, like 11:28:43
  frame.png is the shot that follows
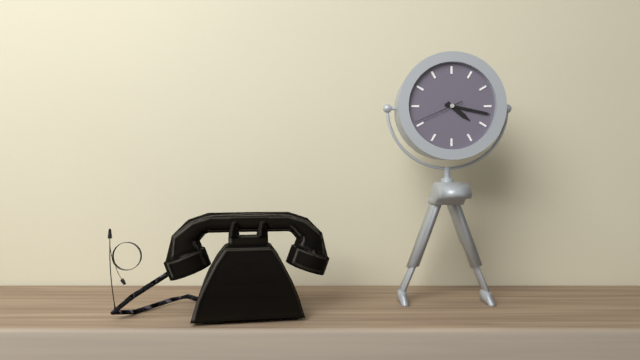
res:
4:17:41
